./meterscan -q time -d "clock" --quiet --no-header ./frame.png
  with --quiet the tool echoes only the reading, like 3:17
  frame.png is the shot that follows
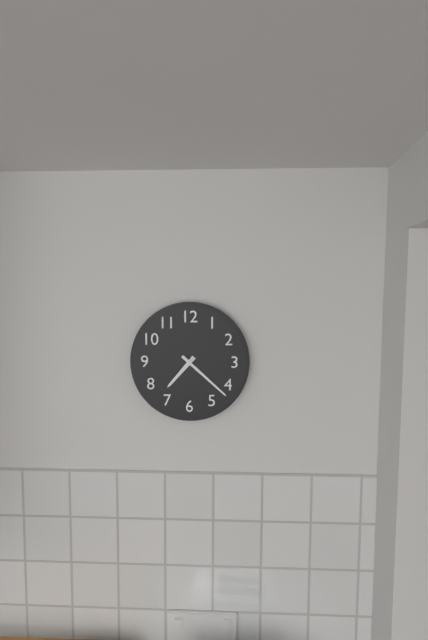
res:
7:22
